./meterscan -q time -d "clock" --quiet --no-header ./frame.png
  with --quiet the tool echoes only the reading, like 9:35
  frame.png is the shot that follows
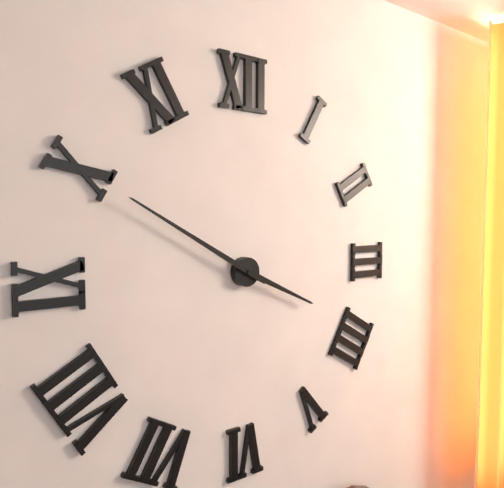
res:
3:50
